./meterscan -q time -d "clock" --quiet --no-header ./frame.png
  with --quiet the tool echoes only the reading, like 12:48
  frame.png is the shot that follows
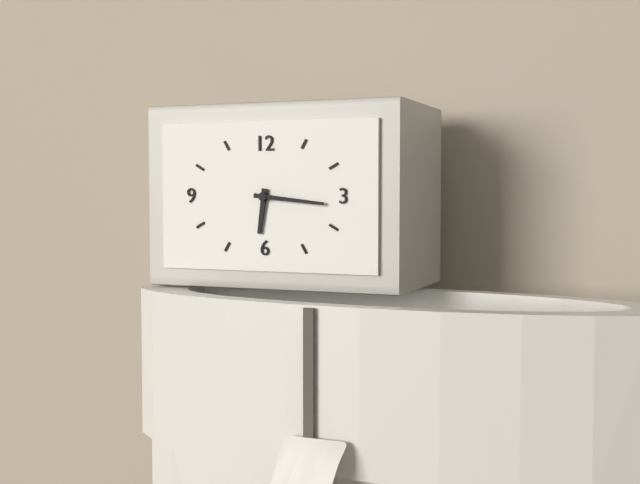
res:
6:16
